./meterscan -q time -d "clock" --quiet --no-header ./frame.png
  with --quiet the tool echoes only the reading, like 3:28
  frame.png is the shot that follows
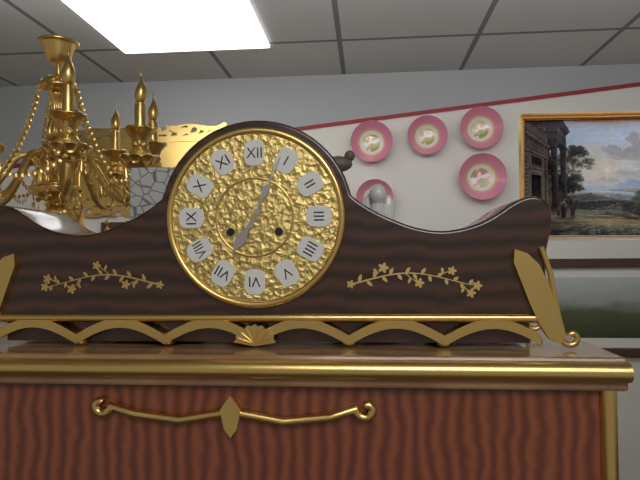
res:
7:04
